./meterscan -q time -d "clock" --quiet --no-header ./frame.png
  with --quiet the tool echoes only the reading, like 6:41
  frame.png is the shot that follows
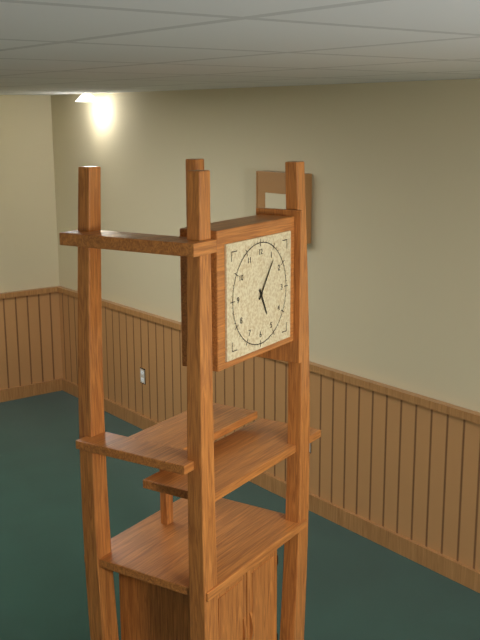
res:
5:06
